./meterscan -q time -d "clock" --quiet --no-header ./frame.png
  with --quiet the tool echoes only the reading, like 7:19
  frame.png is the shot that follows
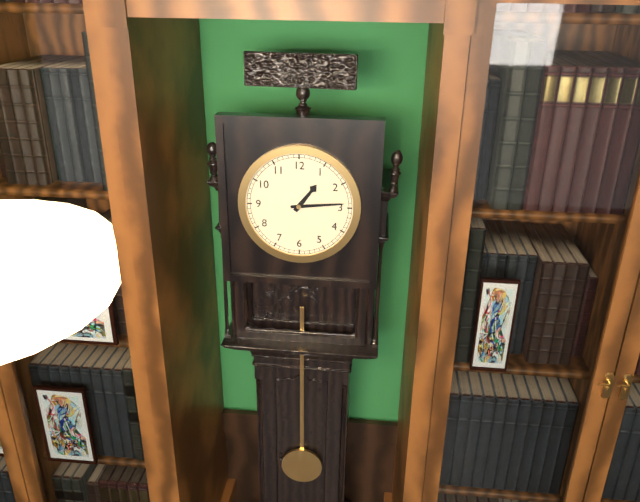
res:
1:14
